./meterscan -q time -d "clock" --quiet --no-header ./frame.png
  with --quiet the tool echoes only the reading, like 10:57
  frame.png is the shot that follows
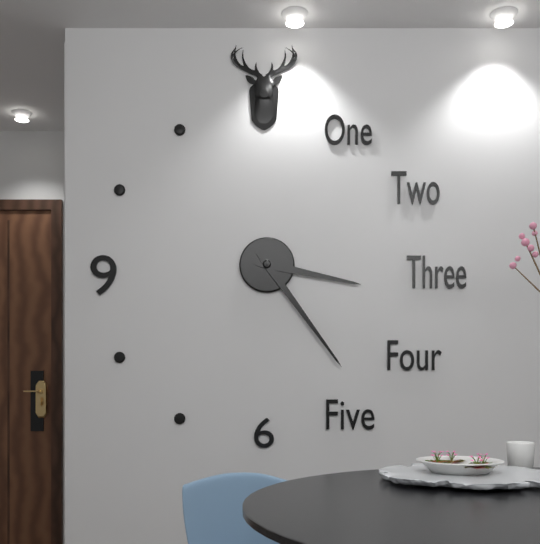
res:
3:24
